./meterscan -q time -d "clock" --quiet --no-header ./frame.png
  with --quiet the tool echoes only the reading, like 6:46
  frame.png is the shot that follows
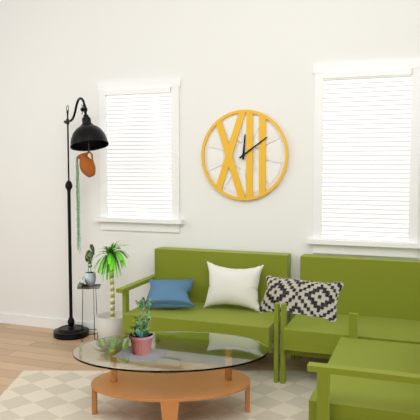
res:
12:09
